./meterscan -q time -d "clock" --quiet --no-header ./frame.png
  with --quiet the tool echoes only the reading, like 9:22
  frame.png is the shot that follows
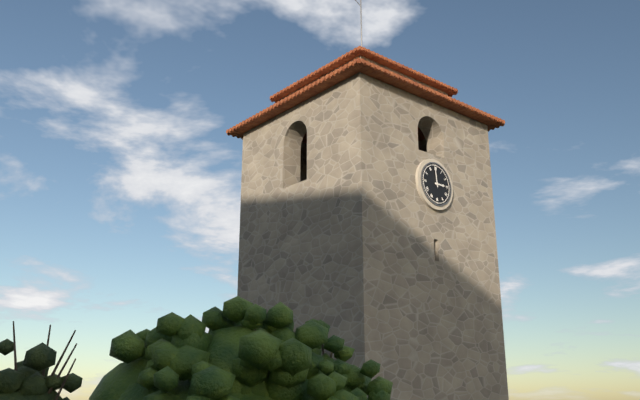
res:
2:59
